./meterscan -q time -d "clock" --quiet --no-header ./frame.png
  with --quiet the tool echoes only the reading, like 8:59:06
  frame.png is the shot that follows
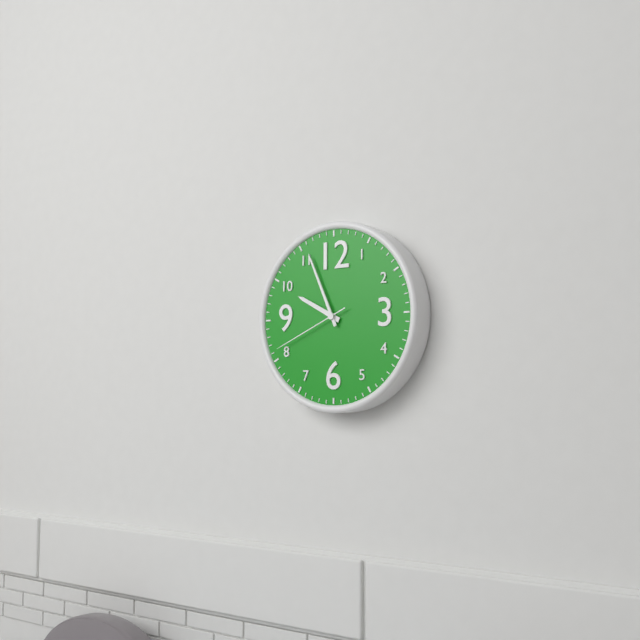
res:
9:56:41
